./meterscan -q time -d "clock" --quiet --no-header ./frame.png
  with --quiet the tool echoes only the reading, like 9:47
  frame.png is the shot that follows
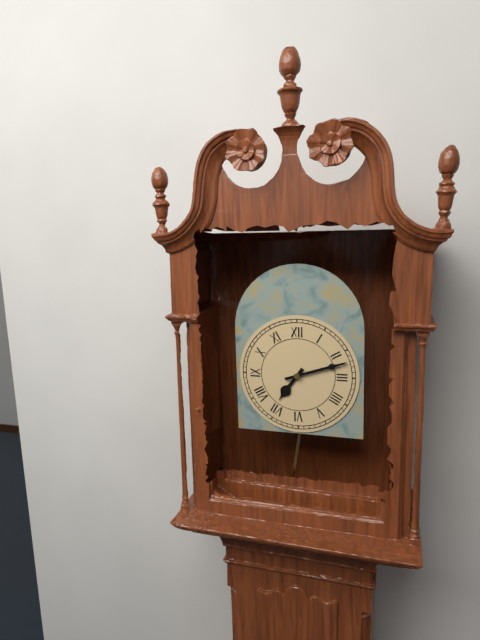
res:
7:12
